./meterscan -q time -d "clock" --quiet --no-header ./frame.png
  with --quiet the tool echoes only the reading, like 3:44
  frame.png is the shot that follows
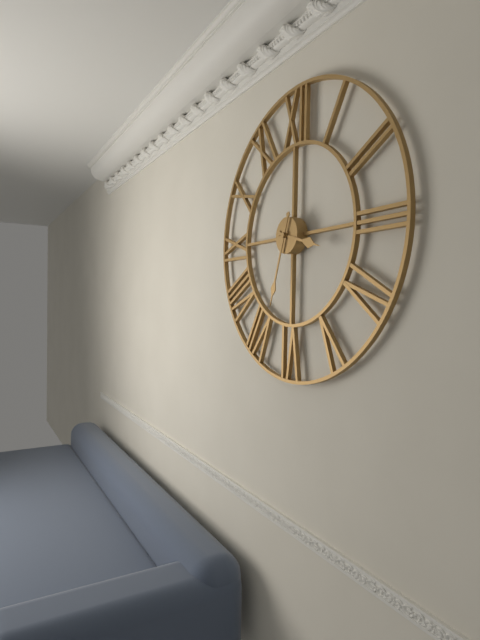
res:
3:33
